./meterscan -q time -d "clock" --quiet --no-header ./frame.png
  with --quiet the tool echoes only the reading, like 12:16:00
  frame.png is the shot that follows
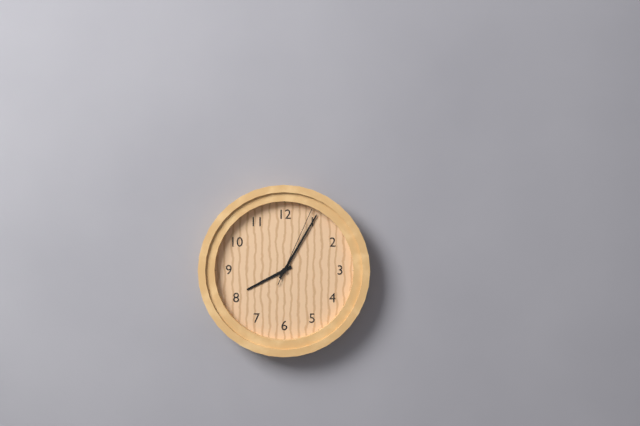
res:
8:05:04
